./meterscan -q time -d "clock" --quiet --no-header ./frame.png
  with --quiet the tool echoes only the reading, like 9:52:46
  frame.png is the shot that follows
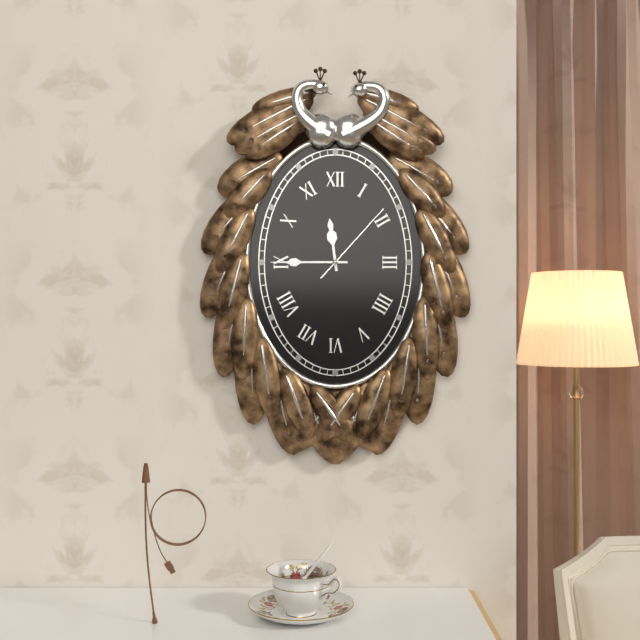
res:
11:45:07
